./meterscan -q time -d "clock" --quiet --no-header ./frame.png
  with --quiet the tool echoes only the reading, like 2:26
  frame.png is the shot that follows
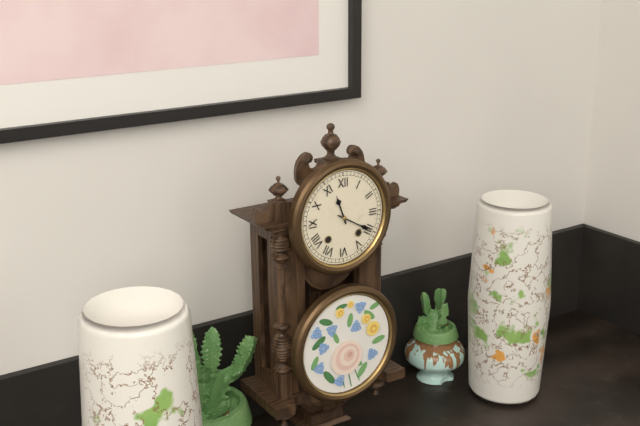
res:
11:20
